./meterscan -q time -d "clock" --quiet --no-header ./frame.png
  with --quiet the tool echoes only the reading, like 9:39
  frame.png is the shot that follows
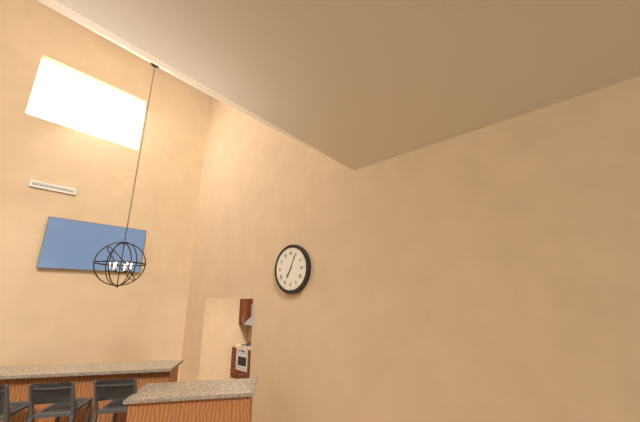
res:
7:04
